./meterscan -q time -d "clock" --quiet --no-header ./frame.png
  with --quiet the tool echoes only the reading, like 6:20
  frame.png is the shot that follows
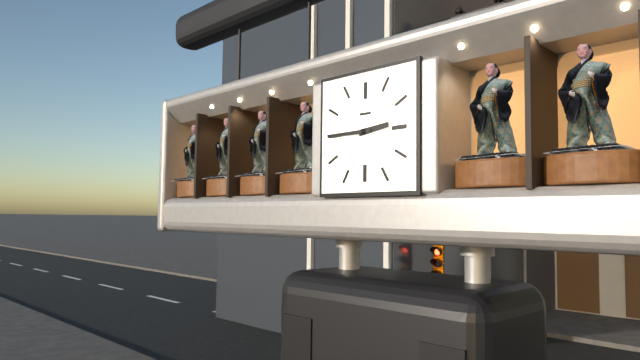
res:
2:45
